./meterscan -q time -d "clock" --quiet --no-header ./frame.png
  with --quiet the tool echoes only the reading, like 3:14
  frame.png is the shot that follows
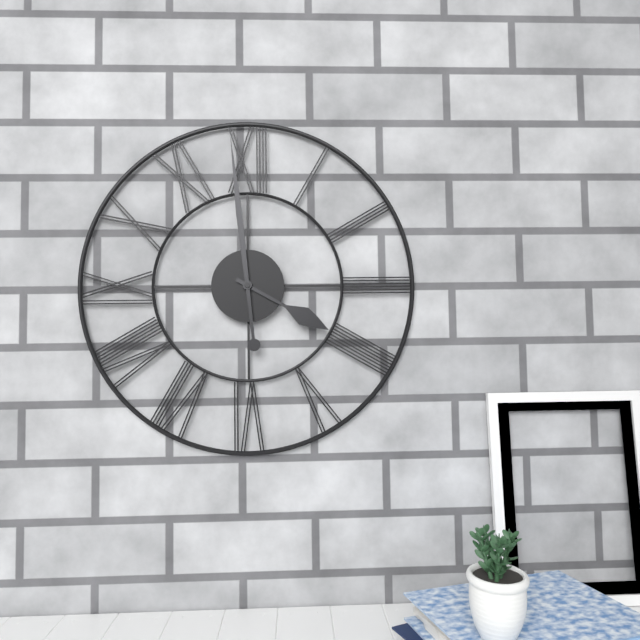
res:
3:59
